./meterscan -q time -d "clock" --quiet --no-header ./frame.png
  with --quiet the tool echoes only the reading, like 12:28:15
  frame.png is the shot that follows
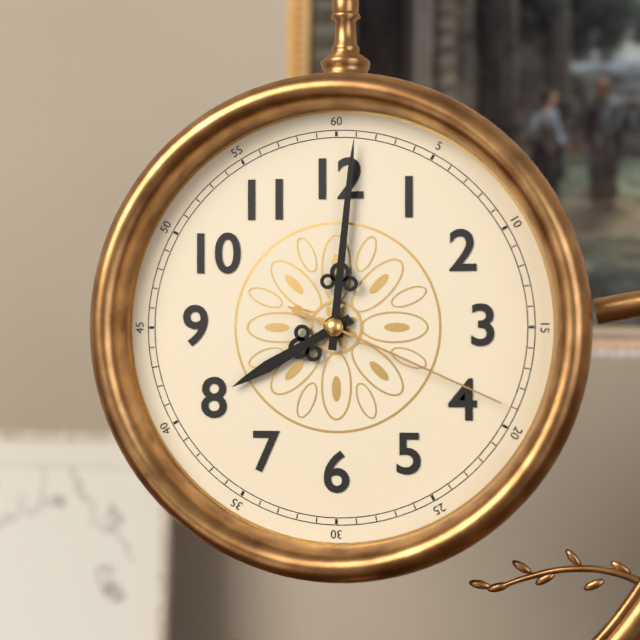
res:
8:01:19
